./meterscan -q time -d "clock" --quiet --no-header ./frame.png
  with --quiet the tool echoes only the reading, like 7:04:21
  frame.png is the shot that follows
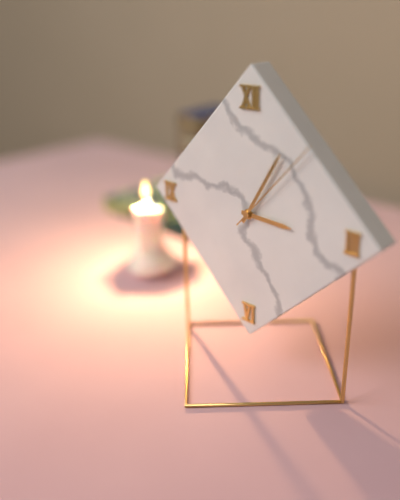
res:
3:05:07
